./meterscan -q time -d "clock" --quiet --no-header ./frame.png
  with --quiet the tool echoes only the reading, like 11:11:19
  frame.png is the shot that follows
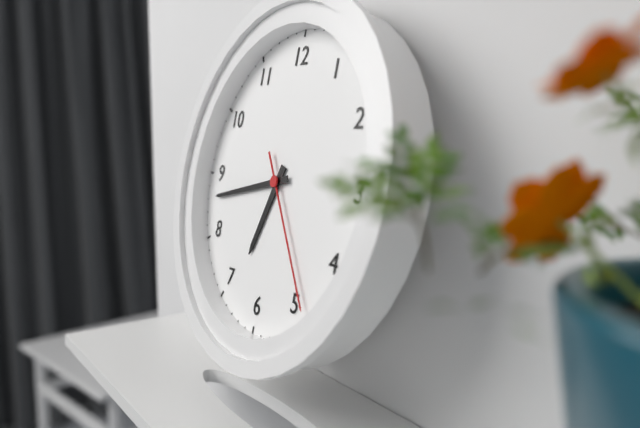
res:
6:43:24
